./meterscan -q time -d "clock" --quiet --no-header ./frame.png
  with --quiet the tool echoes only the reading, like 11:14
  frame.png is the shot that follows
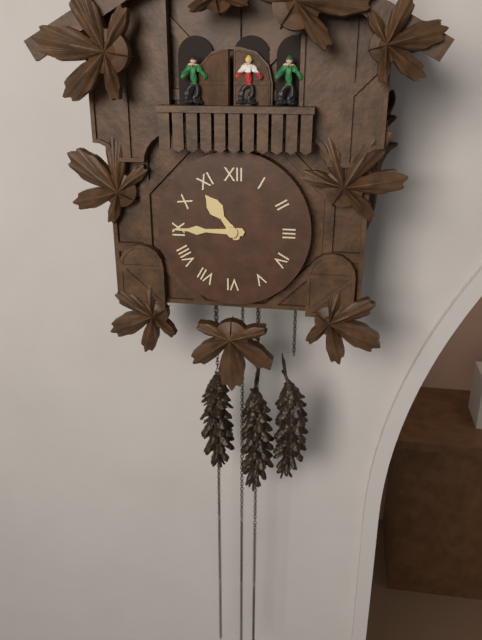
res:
10:45
